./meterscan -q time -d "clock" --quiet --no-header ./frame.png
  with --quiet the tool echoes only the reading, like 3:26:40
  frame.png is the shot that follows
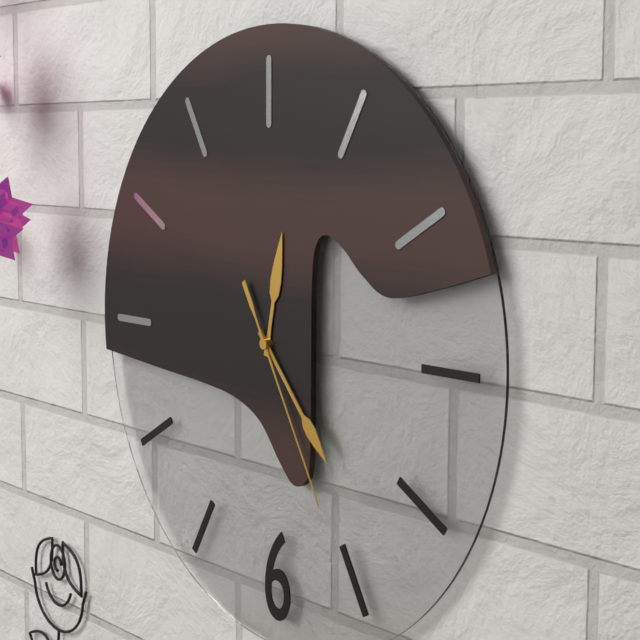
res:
12:23:25
